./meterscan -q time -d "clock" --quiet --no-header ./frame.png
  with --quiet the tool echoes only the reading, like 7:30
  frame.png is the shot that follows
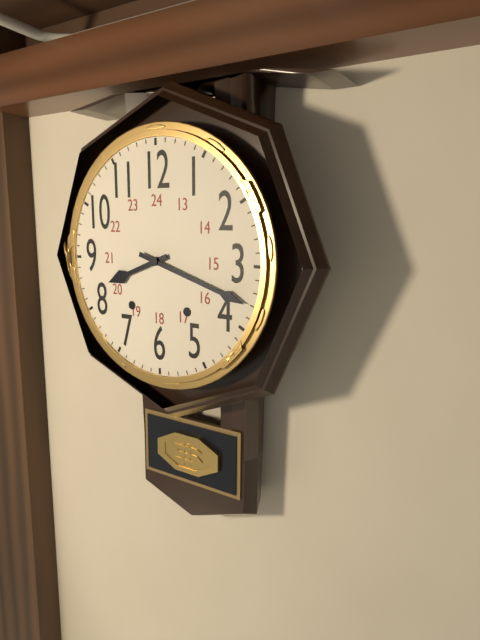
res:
8:18
